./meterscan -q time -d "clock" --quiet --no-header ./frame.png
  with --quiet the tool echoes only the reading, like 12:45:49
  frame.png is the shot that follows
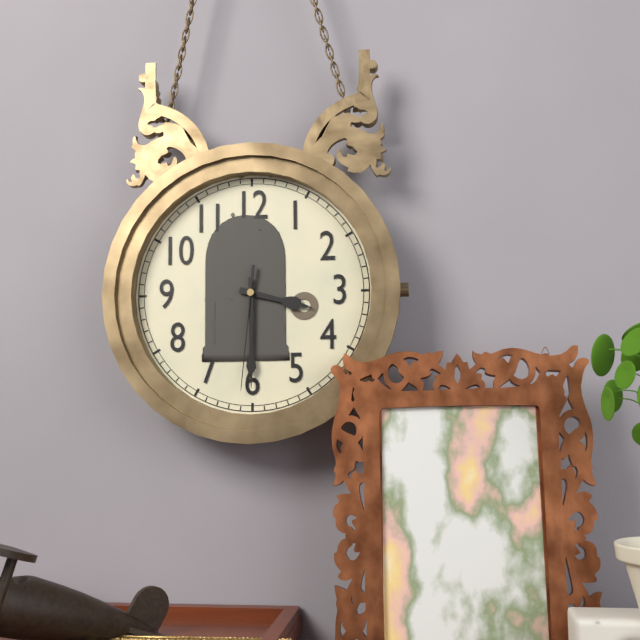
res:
3:30:31
